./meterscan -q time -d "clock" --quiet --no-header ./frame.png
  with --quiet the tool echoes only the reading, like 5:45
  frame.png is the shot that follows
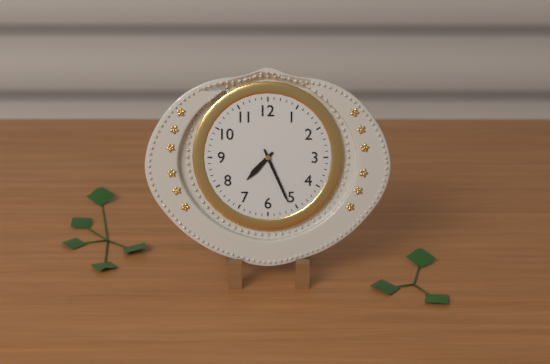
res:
7:26
